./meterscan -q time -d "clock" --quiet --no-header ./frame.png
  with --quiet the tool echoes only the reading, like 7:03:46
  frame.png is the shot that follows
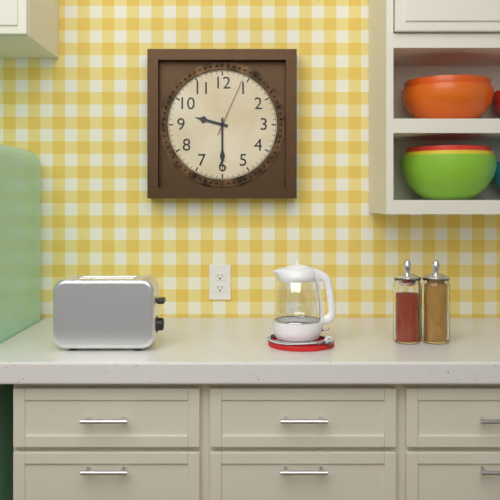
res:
9:30:04
